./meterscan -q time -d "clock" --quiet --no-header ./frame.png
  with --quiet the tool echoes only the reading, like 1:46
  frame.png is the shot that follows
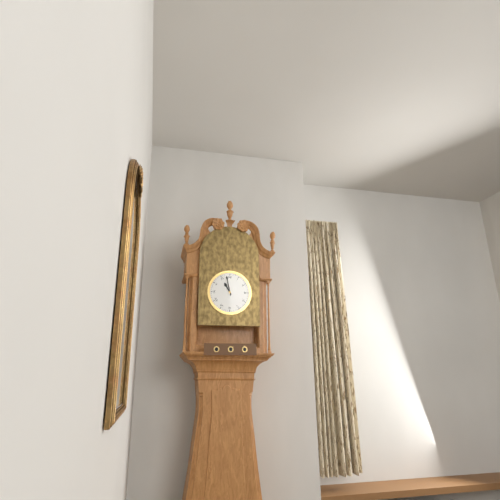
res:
10:58
